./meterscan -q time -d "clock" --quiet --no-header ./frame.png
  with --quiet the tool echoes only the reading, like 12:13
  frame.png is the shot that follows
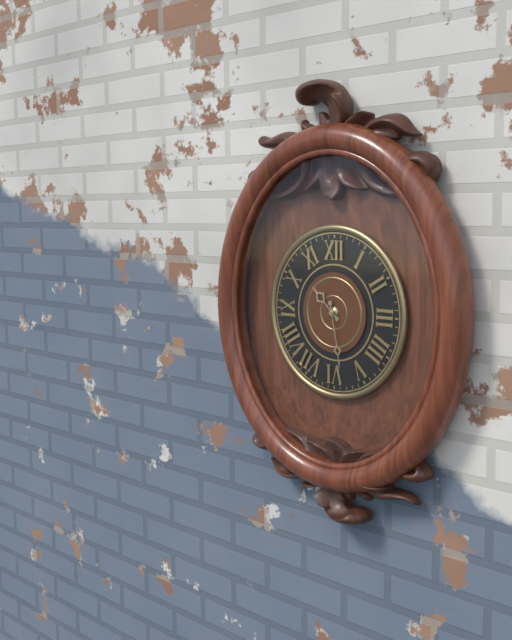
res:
10:28
